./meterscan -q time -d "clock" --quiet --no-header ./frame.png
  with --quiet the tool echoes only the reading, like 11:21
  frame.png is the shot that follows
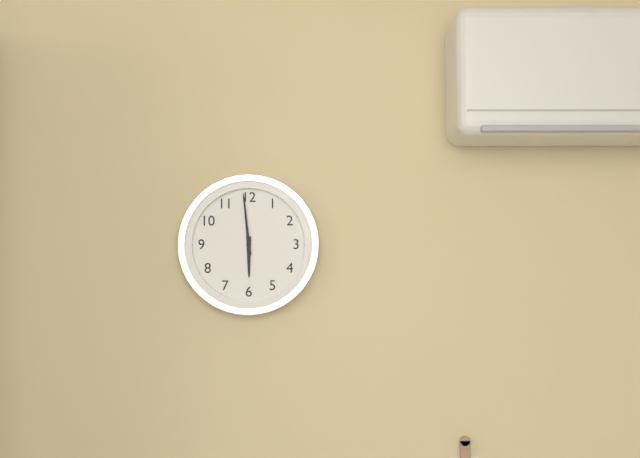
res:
5:59
